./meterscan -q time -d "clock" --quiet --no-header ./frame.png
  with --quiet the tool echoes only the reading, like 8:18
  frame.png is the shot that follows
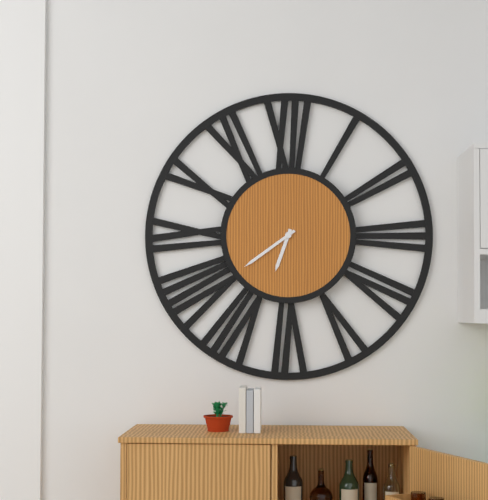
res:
6:39
